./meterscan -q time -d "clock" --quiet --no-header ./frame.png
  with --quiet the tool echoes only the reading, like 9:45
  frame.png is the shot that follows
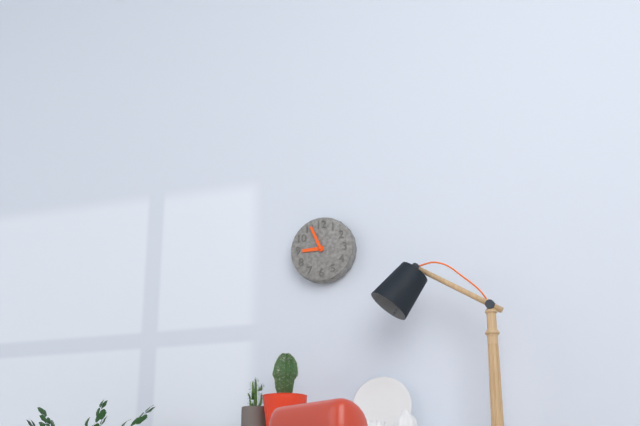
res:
8:56
